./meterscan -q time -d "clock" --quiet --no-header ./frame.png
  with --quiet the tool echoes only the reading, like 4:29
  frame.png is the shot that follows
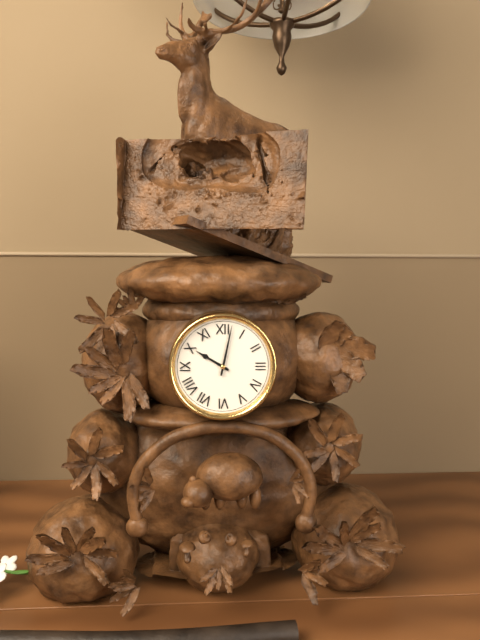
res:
10:02
